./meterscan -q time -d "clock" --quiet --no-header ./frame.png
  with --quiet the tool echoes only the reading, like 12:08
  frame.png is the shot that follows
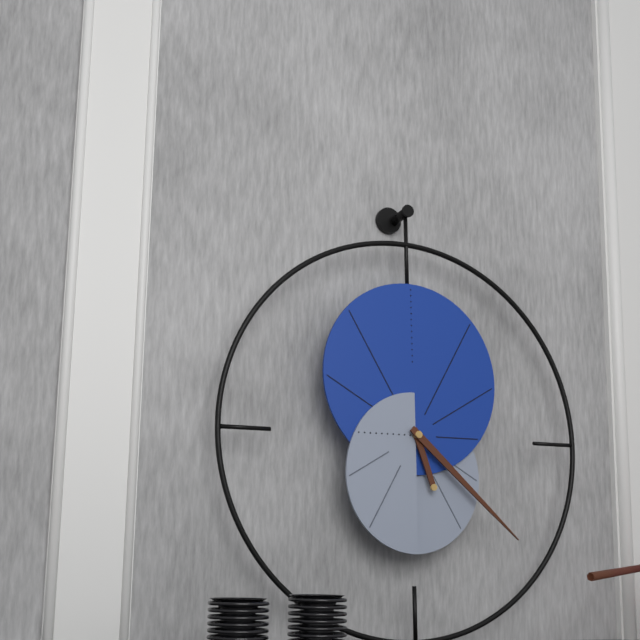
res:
5:22
